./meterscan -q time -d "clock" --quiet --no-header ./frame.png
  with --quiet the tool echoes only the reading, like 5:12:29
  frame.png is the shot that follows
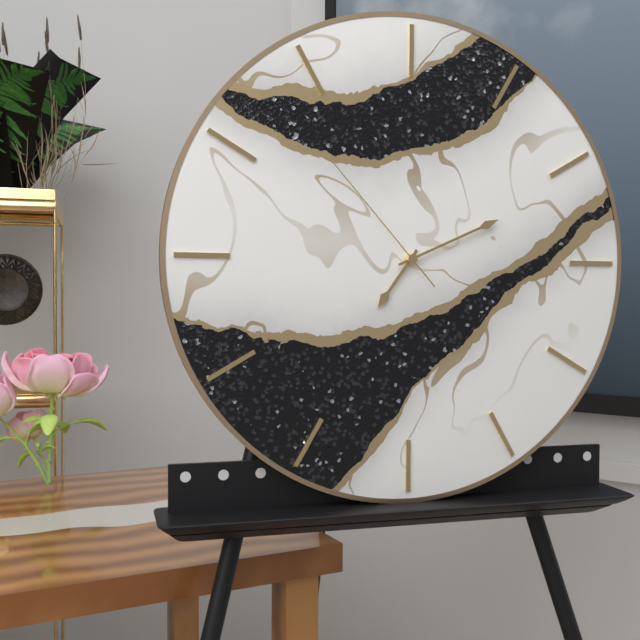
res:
7:11:53
